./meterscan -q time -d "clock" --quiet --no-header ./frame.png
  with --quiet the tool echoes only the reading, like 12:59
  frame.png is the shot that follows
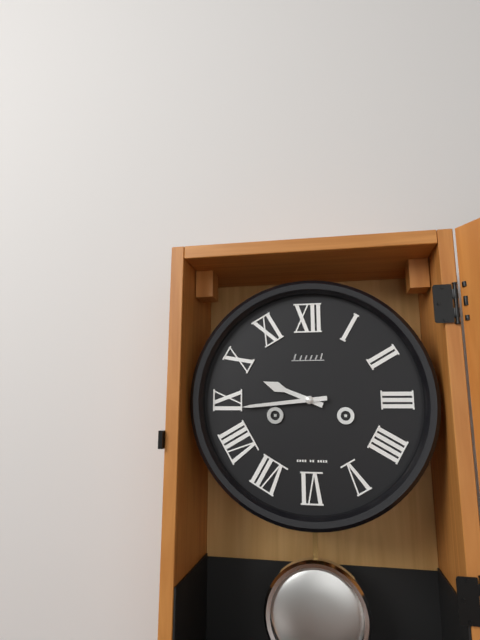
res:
9:44
